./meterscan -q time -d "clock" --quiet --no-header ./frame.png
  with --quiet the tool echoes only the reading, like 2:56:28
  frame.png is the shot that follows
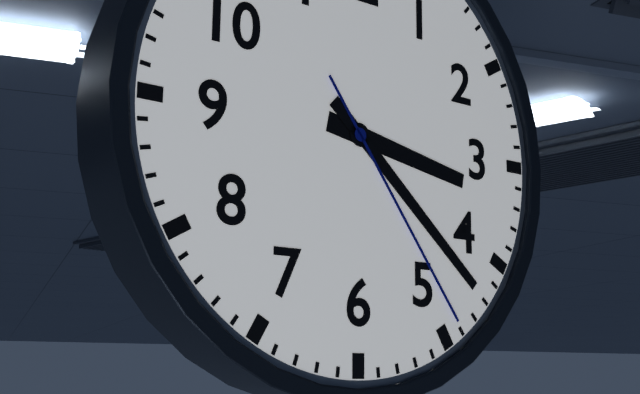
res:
3:22:24
